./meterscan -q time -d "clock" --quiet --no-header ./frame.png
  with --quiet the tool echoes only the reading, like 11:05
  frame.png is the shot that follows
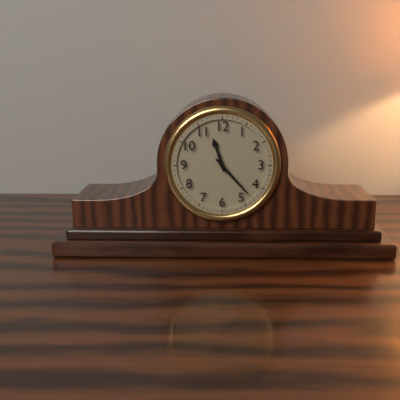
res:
11:23
